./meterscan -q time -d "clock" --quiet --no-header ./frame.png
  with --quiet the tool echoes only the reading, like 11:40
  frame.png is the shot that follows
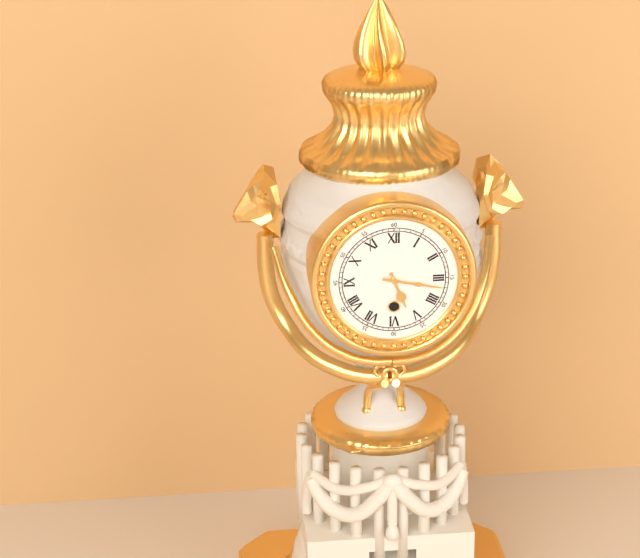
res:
5:17
